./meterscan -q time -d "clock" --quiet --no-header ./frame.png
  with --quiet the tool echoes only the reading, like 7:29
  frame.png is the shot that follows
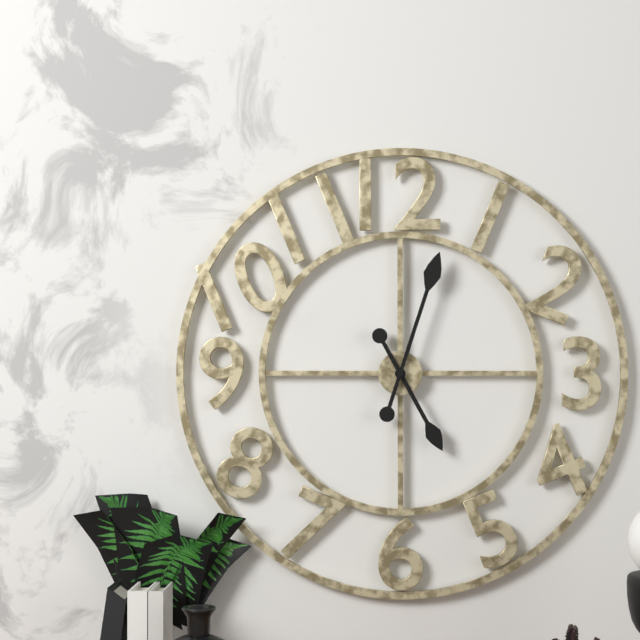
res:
5:03
